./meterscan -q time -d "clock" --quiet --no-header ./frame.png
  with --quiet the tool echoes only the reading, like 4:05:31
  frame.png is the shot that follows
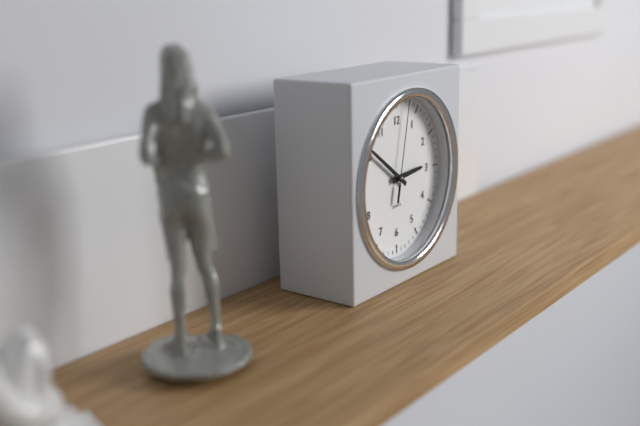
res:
2:51:02
